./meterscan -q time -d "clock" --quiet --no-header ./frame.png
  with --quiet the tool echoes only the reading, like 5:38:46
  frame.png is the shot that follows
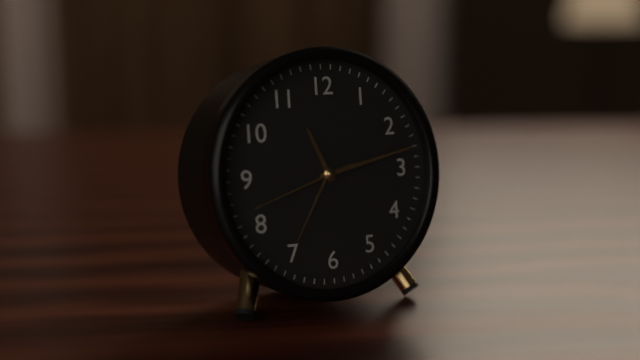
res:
11:13:42
